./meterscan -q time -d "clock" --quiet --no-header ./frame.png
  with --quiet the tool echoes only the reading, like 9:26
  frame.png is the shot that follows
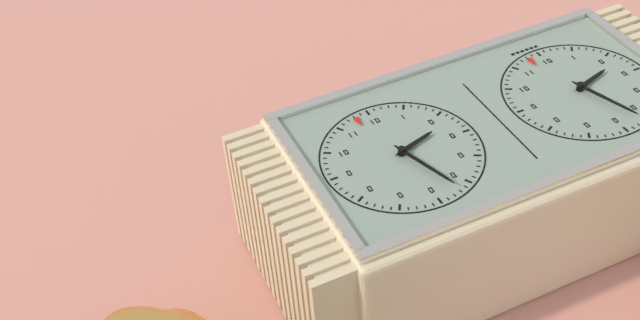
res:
2:27
